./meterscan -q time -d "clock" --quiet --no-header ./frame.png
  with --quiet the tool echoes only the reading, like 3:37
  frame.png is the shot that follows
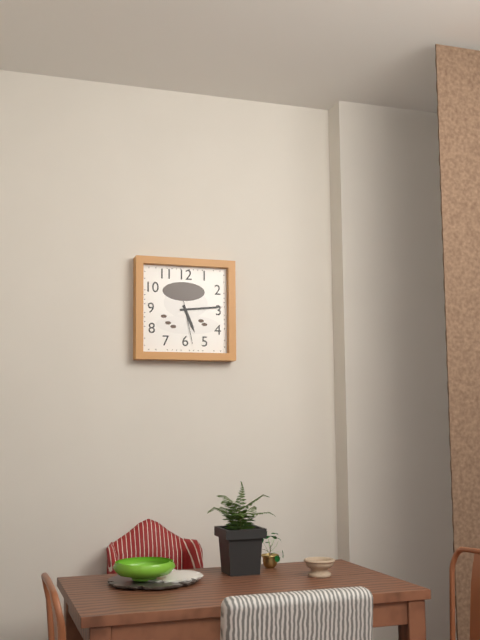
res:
5:14
